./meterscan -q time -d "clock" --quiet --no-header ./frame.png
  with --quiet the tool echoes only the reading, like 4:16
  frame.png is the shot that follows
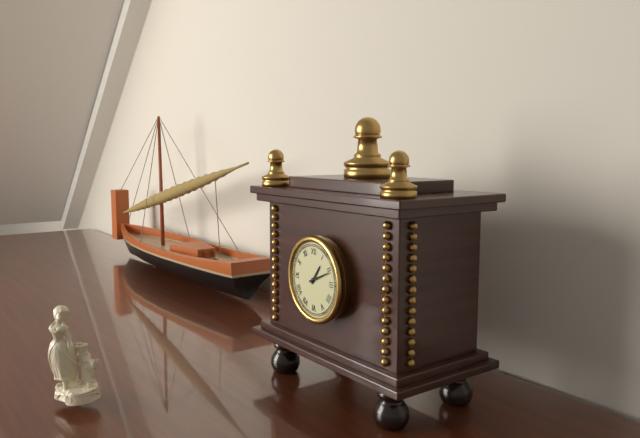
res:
1:11
